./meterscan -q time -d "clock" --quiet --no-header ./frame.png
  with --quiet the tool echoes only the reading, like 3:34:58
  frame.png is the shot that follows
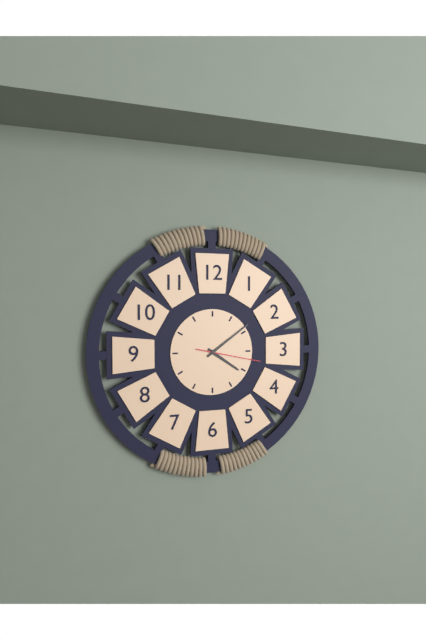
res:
4:09:17
